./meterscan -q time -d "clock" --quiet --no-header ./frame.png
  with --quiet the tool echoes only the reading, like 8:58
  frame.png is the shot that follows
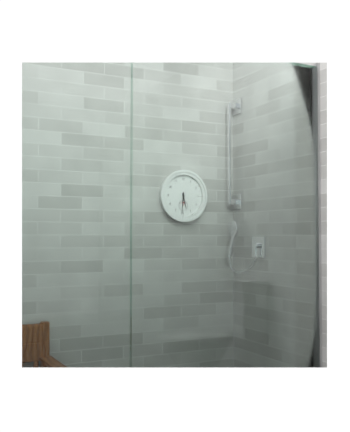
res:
5:31
